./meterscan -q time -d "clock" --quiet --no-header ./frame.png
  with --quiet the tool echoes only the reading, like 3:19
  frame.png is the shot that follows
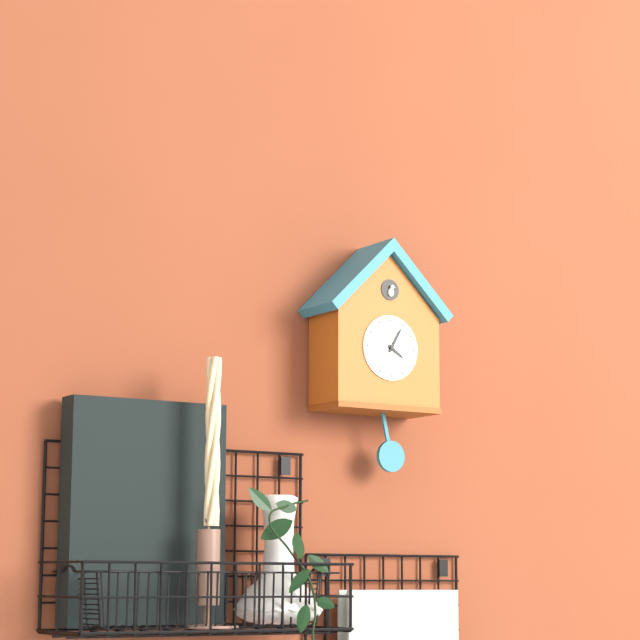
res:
4:05
